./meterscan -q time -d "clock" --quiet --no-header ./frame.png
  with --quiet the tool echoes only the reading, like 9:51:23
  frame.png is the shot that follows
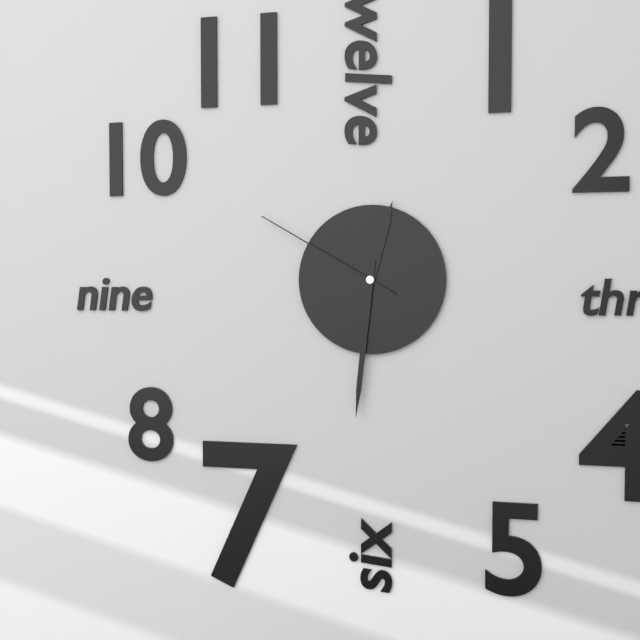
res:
12:31:50
